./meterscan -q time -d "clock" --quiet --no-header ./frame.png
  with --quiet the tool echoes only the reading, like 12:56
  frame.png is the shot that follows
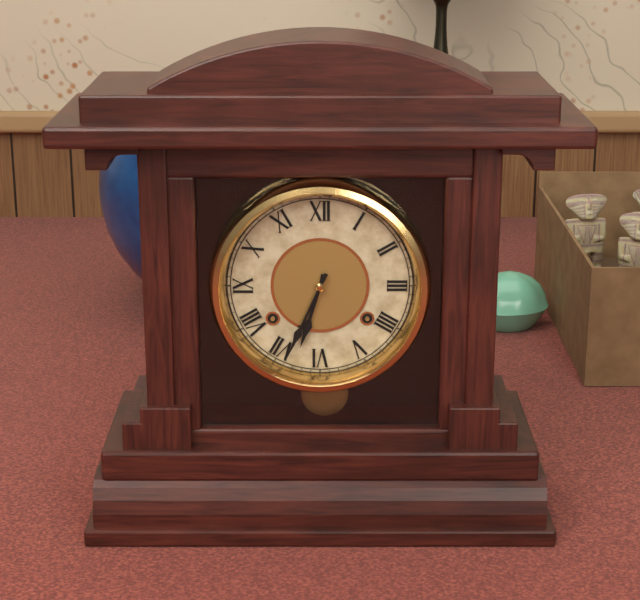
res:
6:34
